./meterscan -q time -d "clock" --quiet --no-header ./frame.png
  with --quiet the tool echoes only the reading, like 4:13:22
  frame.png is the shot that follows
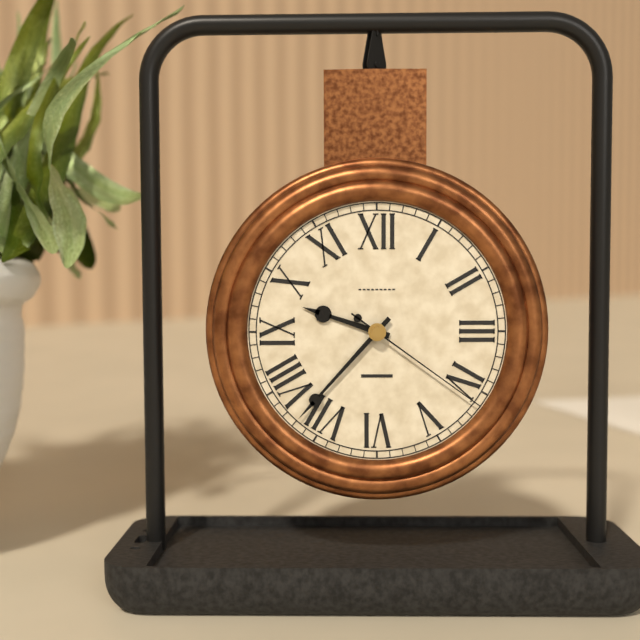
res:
9:37:21
